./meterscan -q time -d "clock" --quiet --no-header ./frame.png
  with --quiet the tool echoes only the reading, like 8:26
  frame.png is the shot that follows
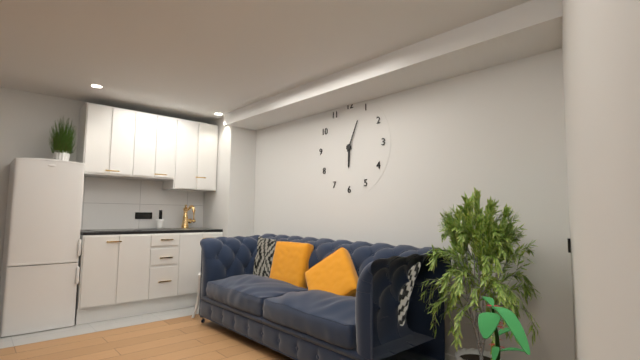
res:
6:04
